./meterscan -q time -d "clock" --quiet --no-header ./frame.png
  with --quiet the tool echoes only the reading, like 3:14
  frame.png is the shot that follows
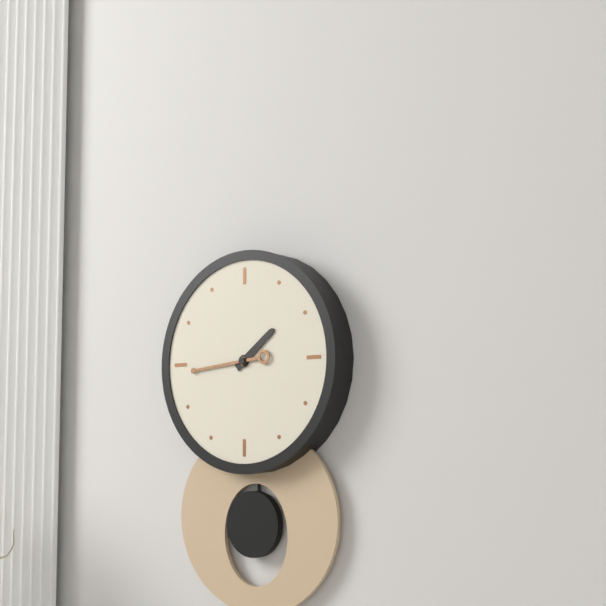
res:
1:44
